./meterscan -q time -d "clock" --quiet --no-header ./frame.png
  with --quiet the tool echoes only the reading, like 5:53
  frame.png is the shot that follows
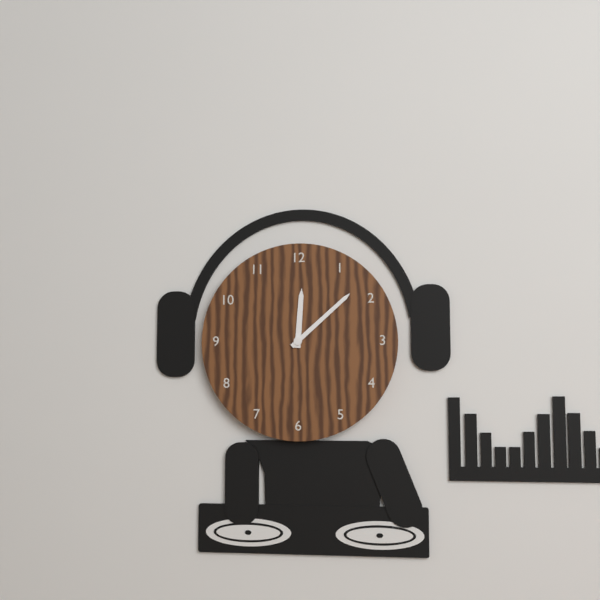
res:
12:08
